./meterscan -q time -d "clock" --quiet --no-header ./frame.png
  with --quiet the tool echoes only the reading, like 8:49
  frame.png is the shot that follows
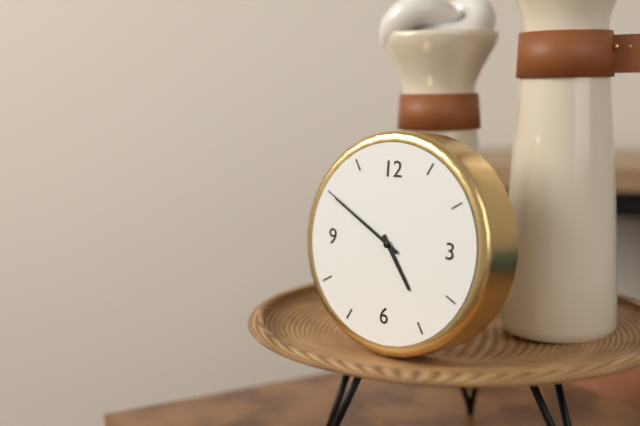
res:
4:50
